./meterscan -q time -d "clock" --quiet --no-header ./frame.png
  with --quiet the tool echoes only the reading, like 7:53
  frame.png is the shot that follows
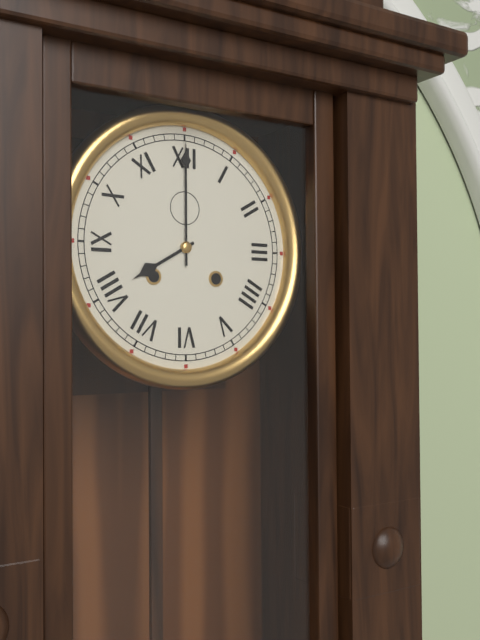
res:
8:00
